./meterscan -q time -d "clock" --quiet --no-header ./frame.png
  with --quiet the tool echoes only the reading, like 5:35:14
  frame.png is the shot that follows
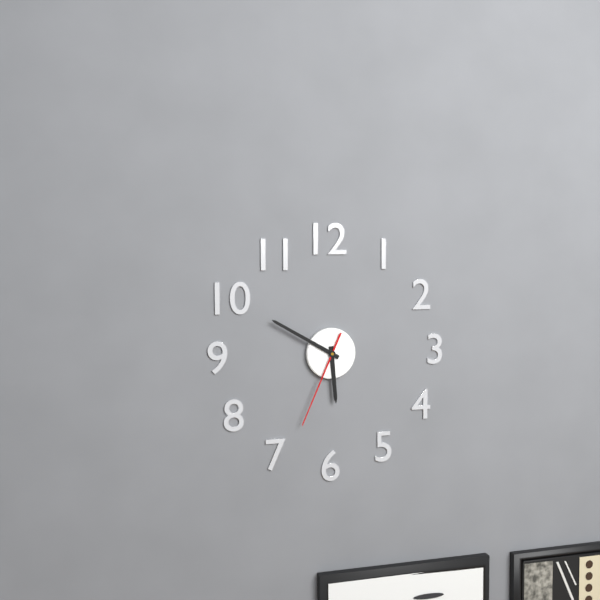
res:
5:50:34
